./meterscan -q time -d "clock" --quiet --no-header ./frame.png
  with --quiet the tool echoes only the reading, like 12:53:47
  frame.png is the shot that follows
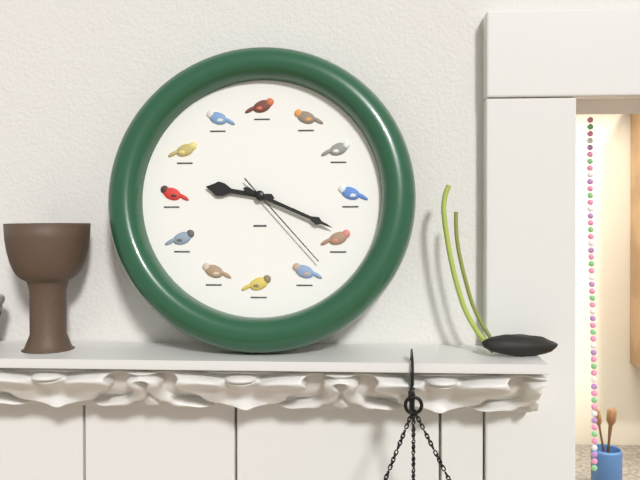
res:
9:19:23
